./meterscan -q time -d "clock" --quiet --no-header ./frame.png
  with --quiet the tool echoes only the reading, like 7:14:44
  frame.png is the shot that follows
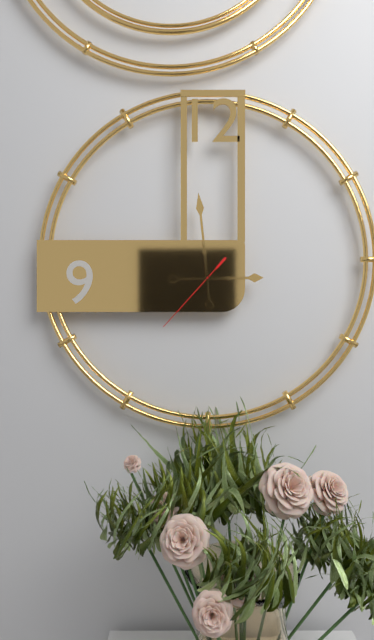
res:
2:59:37
